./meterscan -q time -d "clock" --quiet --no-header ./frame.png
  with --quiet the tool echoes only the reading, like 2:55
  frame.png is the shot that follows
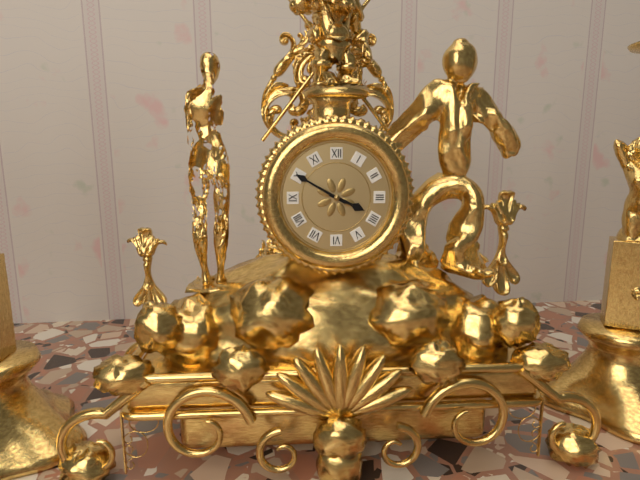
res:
3:50
